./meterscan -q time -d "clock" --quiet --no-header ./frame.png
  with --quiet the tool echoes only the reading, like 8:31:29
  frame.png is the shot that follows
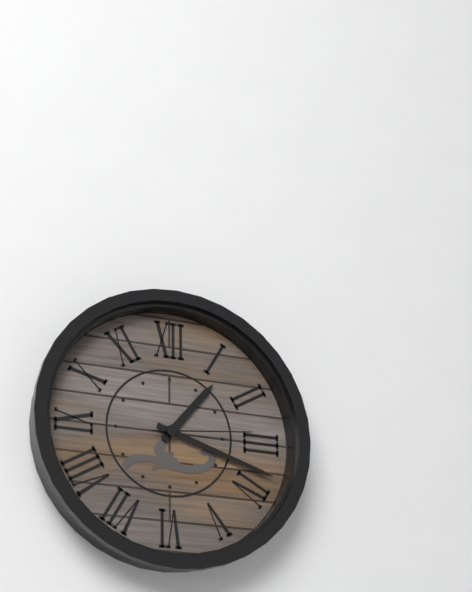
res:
1:18:14
